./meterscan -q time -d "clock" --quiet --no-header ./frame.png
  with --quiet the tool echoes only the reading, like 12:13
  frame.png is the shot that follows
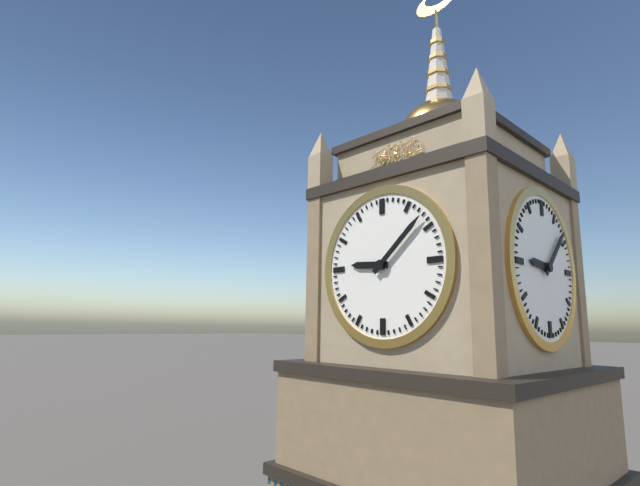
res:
9:08
